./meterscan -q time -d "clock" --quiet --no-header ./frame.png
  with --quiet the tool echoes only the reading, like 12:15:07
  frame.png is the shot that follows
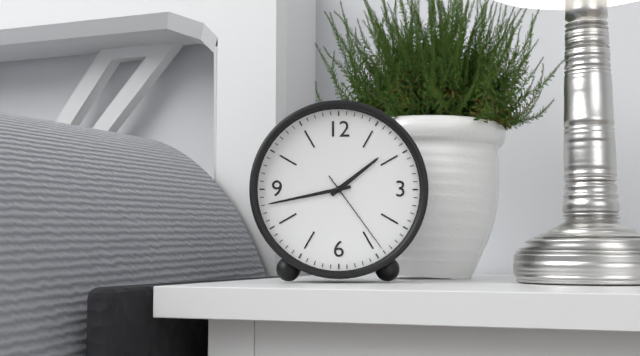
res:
1:43:24
